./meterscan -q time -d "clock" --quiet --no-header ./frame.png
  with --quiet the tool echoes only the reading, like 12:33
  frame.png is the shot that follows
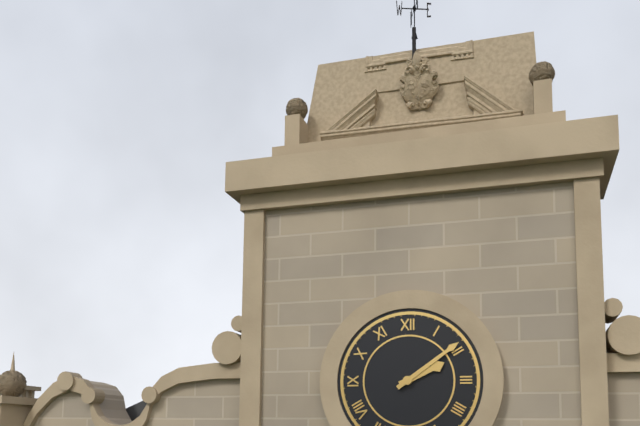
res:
2:09
